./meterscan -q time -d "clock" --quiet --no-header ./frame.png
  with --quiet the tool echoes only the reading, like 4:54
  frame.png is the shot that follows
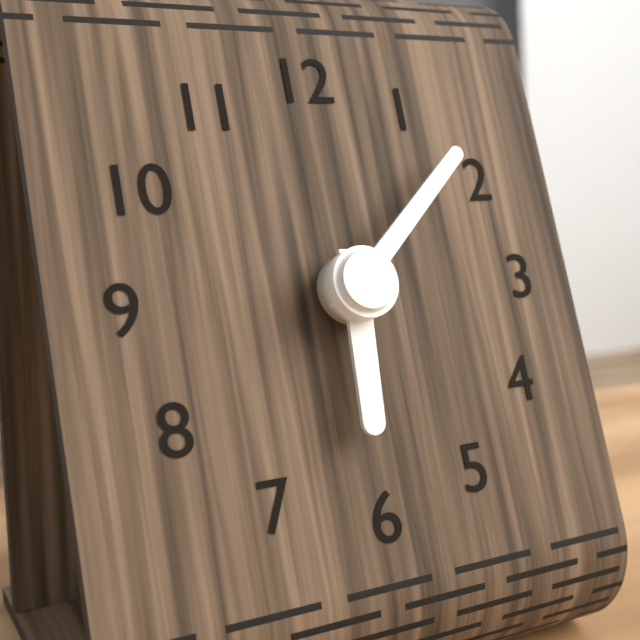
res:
6:08
